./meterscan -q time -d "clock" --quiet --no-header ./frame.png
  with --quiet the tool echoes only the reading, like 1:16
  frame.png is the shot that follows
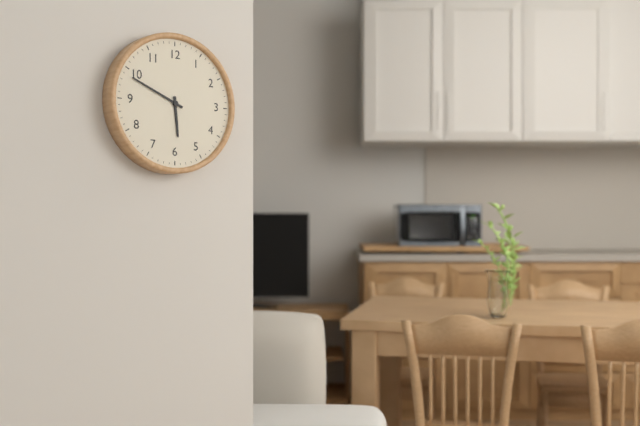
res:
5:49
